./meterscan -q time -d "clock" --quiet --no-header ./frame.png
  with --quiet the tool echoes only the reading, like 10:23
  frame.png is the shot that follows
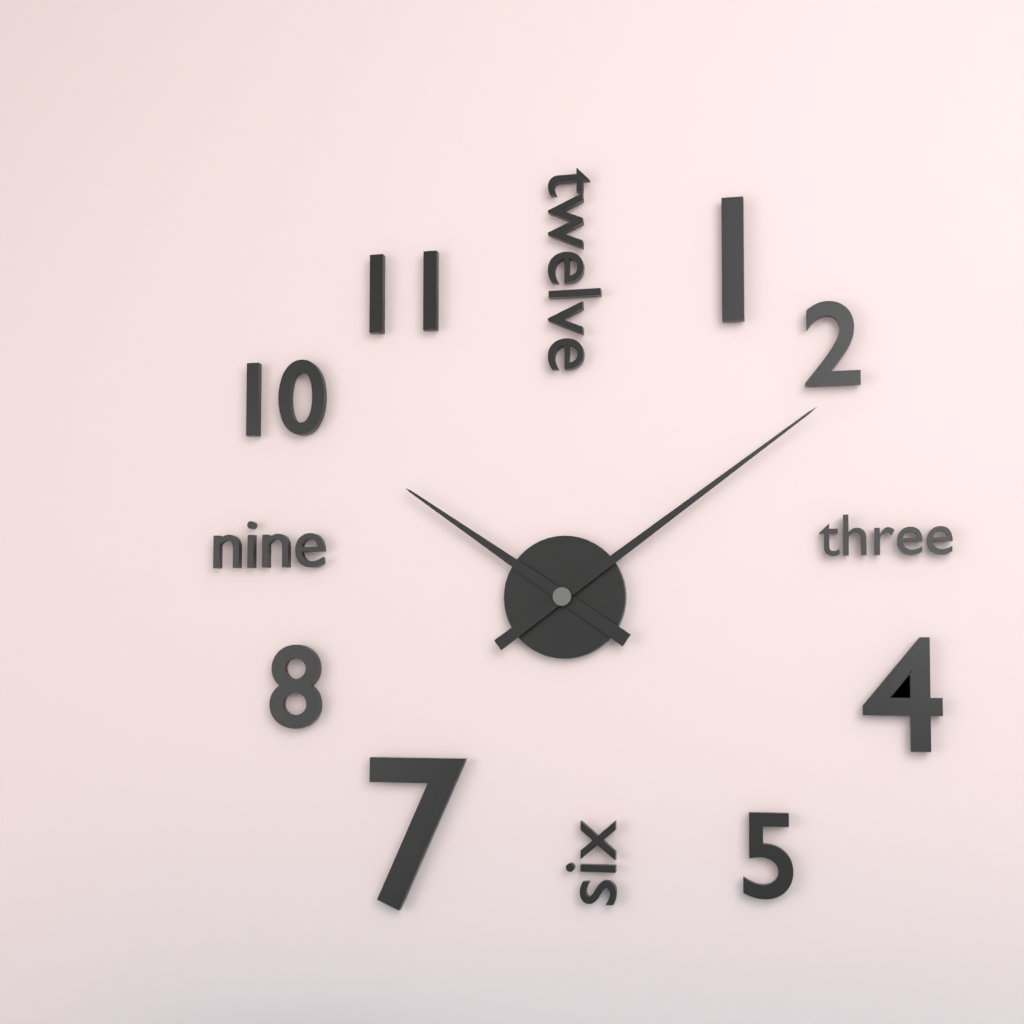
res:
10:09
